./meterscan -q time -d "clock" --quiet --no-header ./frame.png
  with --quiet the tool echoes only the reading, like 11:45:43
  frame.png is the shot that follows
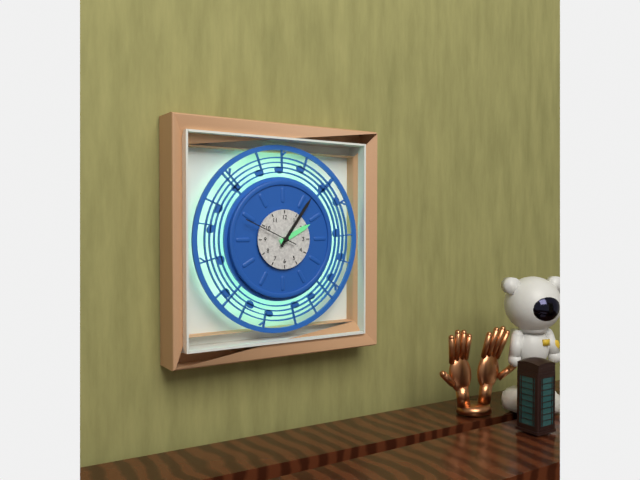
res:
2:06:49
